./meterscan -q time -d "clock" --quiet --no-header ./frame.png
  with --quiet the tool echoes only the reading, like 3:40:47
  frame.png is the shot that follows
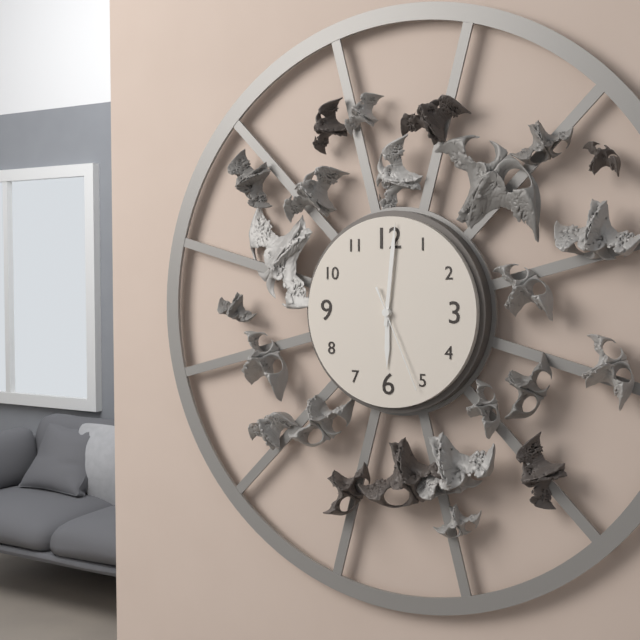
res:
6:01:26
